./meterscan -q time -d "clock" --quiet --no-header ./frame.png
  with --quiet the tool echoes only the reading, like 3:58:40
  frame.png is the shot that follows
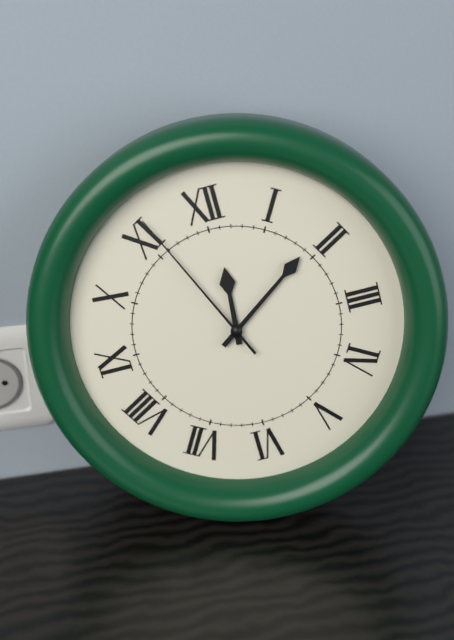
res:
12:09:56
